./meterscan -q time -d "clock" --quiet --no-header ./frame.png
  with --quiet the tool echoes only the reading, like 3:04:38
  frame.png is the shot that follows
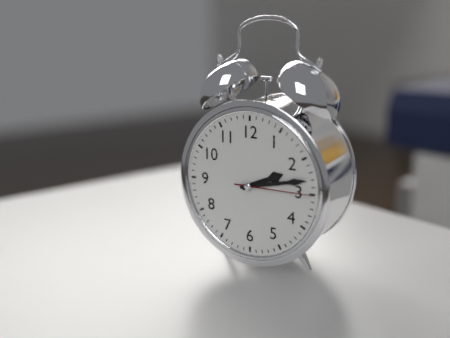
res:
2:13:15
